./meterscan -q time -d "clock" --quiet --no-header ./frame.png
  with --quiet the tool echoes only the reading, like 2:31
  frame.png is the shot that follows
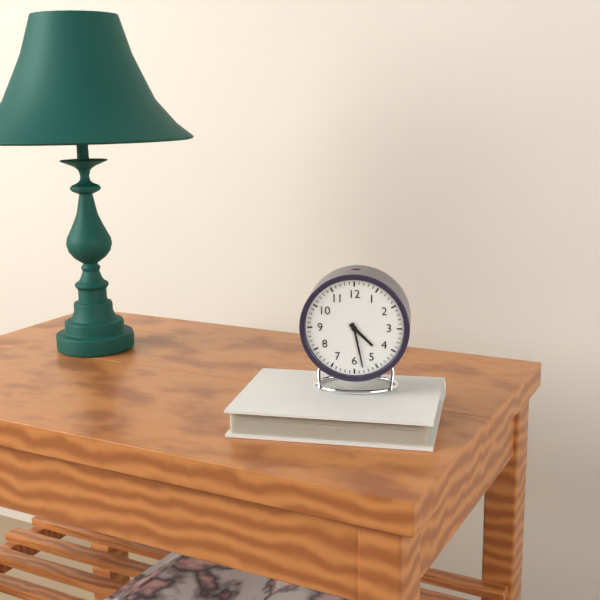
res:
4:28
